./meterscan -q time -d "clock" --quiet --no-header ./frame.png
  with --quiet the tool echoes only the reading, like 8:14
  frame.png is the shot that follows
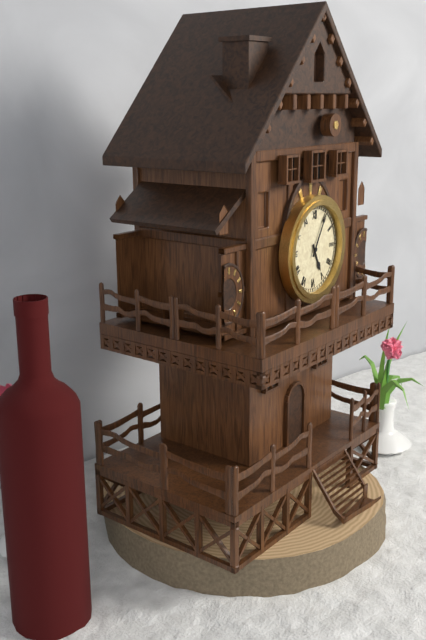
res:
5:05
